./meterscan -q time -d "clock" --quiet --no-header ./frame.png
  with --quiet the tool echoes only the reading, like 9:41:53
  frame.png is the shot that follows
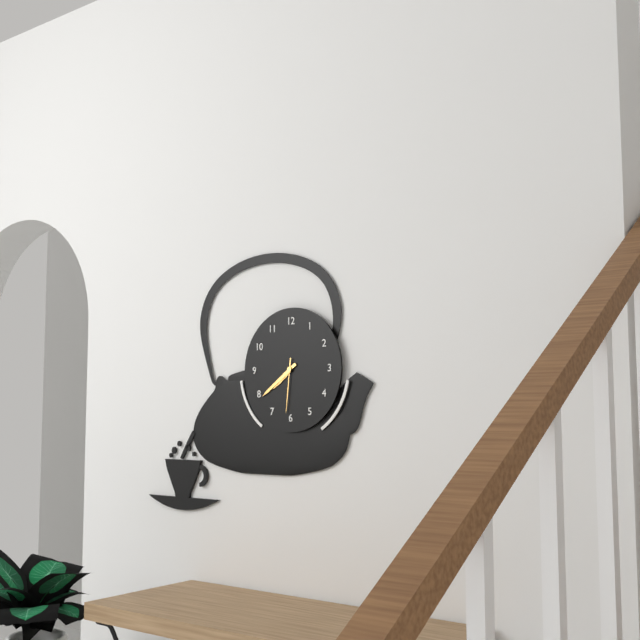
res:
7:39:31
